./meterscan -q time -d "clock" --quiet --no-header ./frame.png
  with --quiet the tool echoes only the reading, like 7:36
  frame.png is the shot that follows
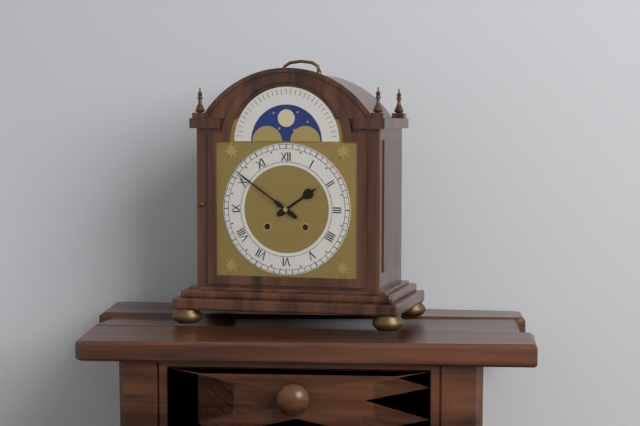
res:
1:51
